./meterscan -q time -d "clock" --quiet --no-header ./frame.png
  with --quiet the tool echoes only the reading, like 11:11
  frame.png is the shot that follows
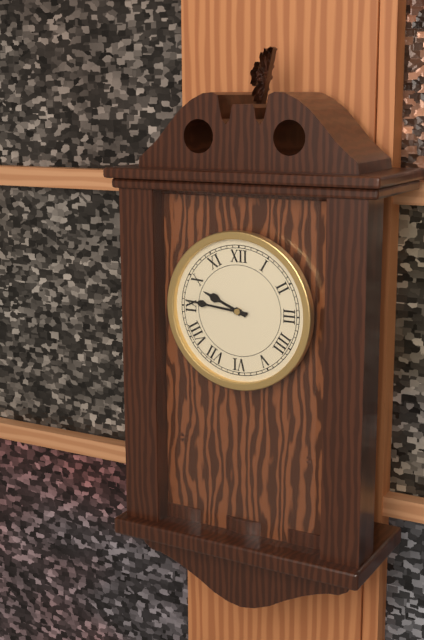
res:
9:46
